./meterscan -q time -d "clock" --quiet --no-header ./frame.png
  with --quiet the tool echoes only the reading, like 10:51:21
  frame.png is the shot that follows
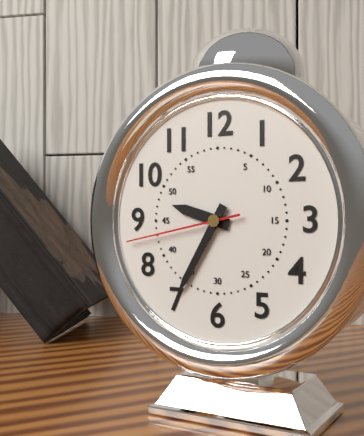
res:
9:35:43
